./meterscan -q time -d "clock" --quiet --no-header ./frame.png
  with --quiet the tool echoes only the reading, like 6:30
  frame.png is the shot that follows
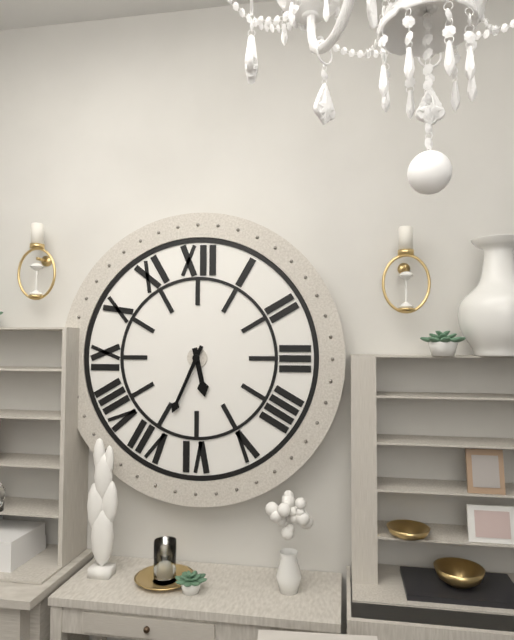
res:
5:34
